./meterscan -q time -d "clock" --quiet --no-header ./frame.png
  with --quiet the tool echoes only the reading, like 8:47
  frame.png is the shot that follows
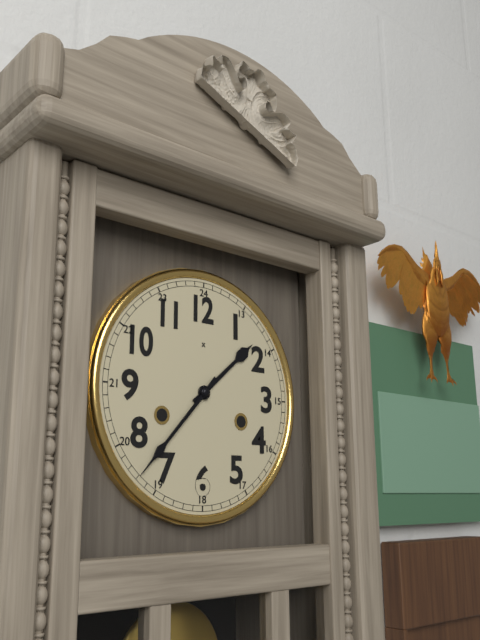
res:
1:37
